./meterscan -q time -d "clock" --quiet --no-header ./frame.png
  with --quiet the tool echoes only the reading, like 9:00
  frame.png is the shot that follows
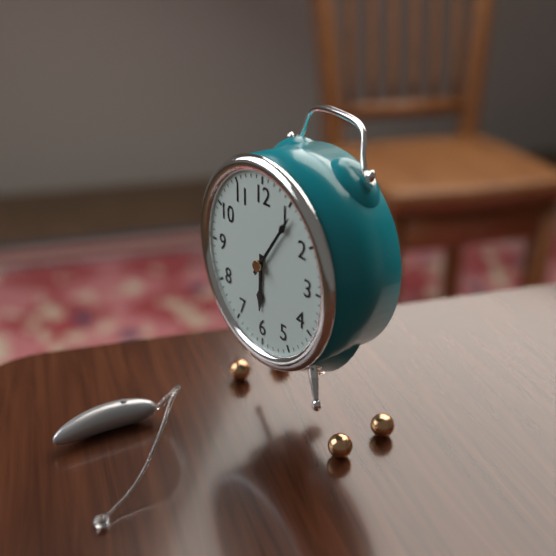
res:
6:06
